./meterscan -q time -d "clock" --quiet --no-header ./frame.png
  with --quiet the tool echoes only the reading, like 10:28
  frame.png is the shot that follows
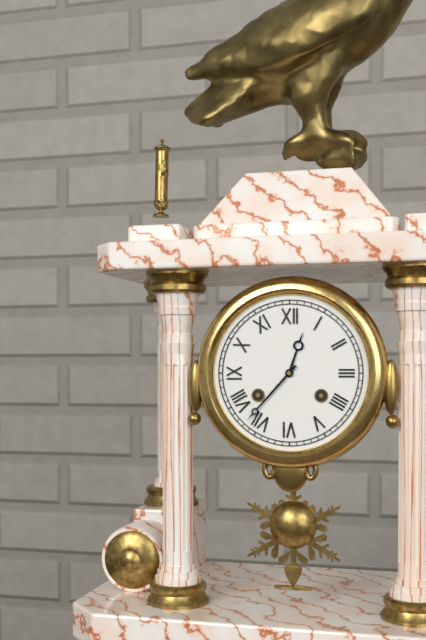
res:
12:37
